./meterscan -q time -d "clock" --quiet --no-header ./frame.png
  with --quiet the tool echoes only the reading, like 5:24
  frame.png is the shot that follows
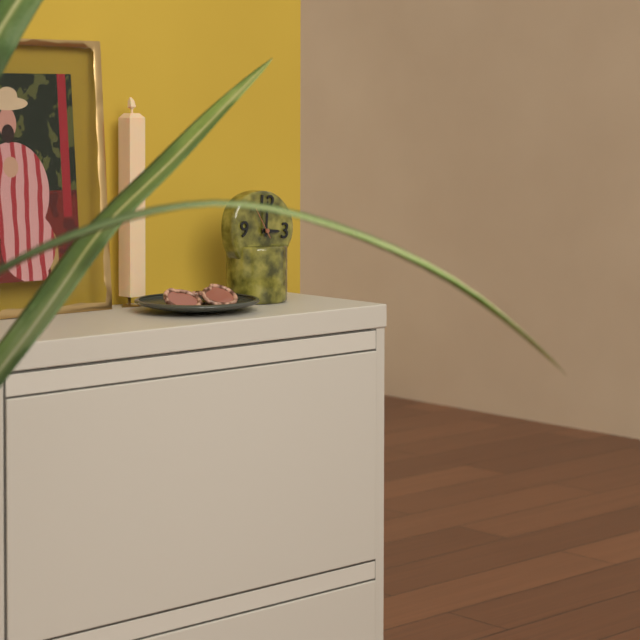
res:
3:00
